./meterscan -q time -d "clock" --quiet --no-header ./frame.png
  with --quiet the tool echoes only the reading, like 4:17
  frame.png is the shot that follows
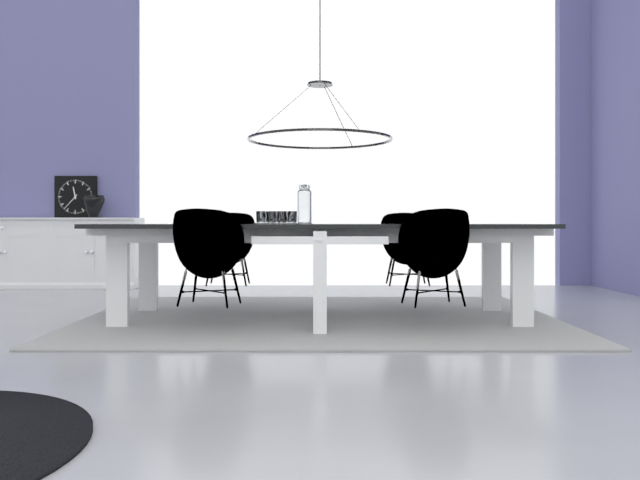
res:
11:37
